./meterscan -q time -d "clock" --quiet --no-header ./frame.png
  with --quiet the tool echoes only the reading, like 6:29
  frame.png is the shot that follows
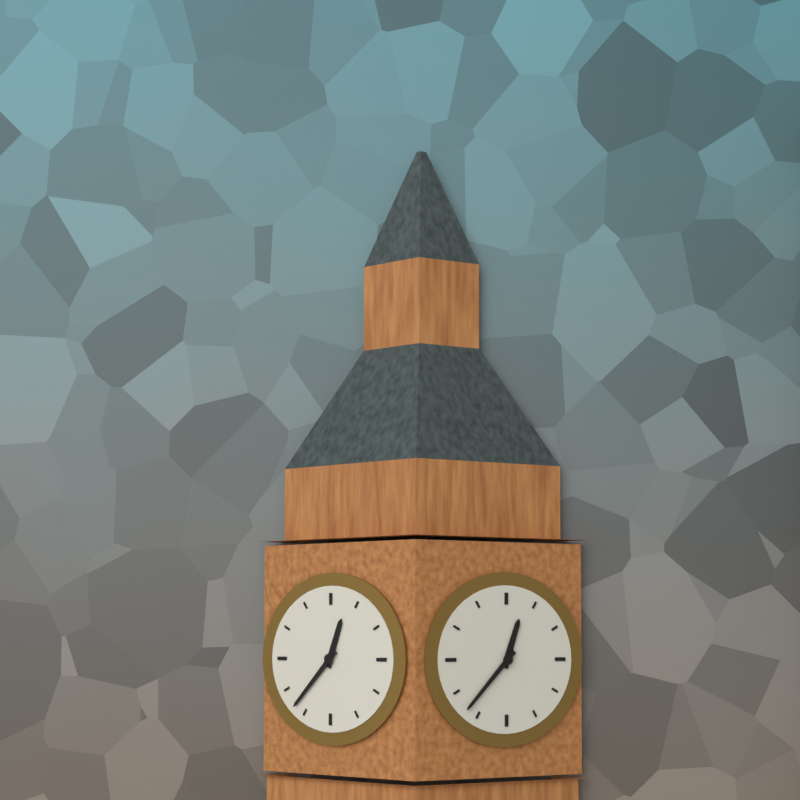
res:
12:37
